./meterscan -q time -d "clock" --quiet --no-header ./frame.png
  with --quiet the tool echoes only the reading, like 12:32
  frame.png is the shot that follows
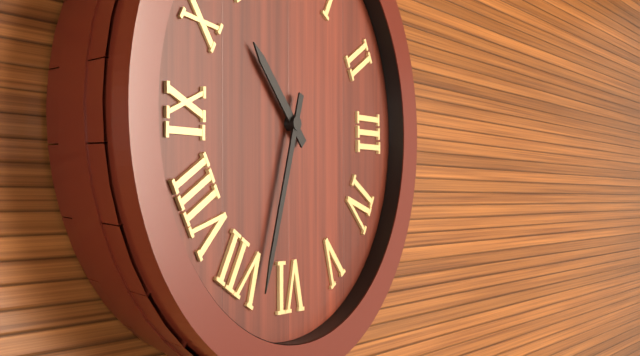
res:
10:33
